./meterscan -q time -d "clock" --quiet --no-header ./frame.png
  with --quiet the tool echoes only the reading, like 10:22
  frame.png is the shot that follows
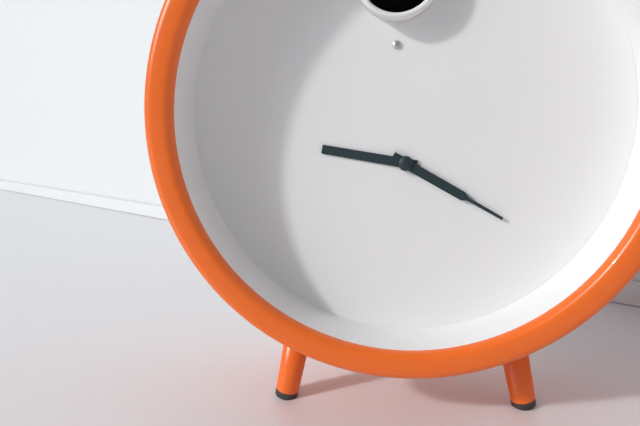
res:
9:20
